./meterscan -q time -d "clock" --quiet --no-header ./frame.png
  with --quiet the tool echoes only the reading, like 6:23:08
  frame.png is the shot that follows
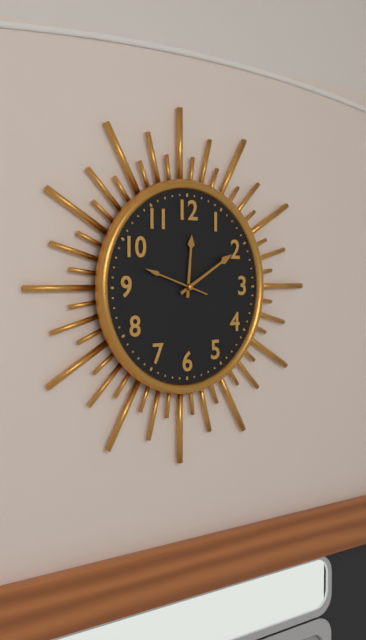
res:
12:10:48
